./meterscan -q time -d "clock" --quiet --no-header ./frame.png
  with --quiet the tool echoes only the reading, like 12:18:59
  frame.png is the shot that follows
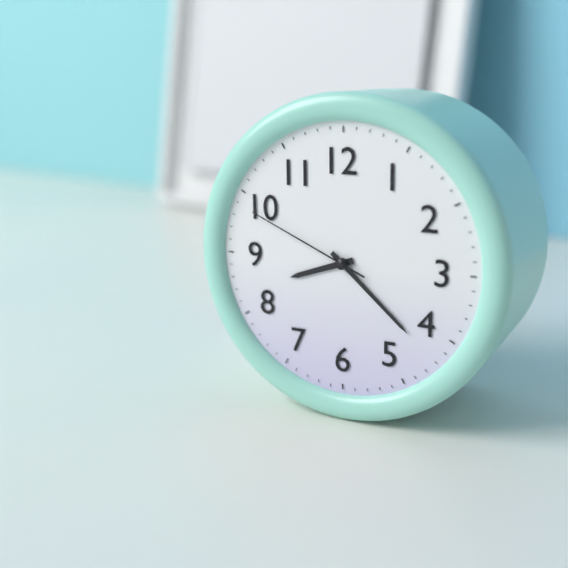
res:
8:22:49
